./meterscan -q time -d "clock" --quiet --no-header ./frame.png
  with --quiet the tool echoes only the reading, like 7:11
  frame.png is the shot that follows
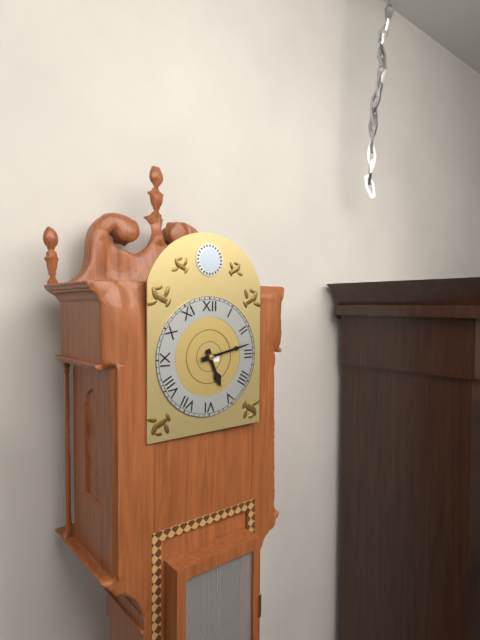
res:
5:13
